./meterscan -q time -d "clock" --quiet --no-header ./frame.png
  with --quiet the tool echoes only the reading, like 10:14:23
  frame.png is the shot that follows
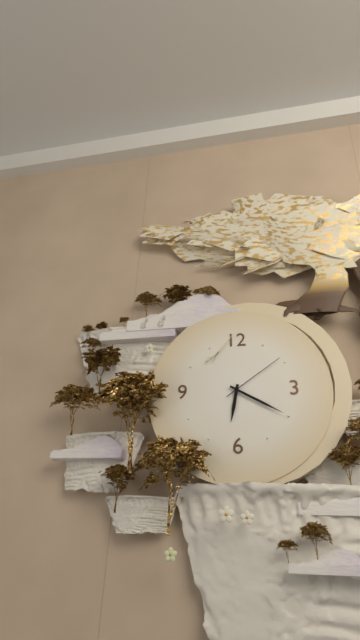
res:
6:20:09
